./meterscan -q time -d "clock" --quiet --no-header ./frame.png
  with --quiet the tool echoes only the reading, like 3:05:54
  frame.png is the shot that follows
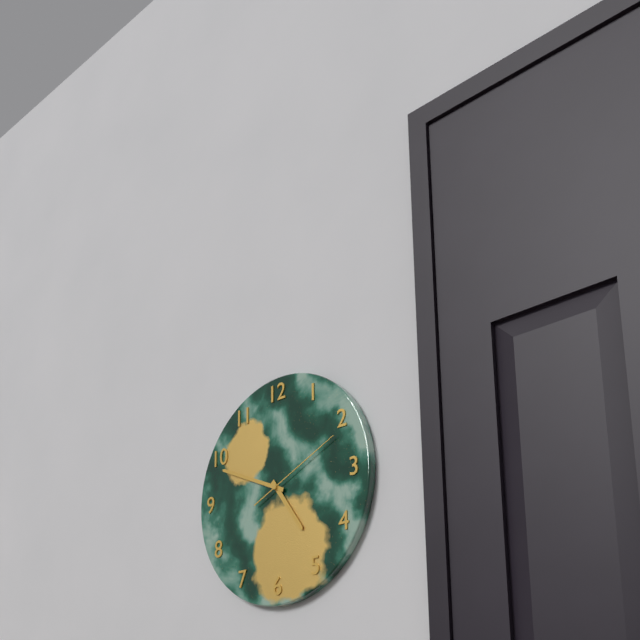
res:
4:49:11
